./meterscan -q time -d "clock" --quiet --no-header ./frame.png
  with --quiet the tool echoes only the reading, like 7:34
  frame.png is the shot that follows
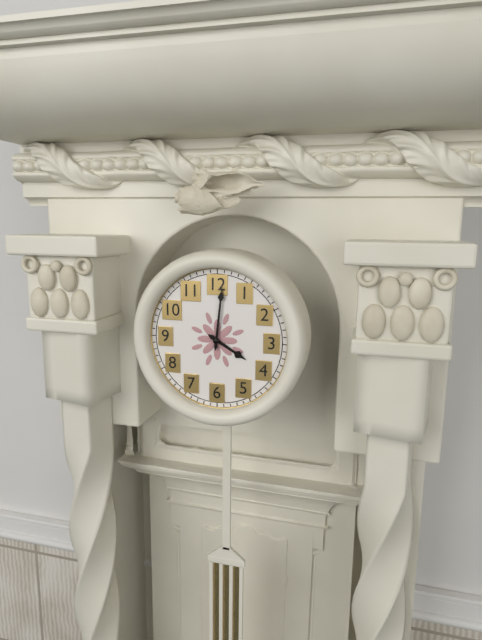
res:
4:01
